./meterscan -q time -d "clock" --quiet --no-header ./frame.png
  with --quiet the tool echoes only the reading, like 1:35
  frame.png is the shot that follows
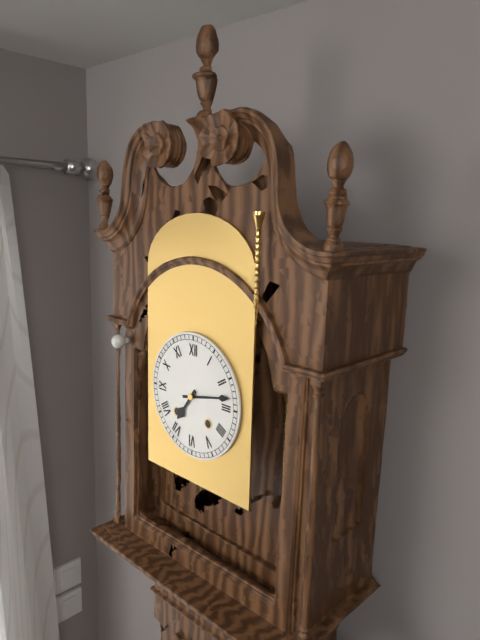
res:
7:13
